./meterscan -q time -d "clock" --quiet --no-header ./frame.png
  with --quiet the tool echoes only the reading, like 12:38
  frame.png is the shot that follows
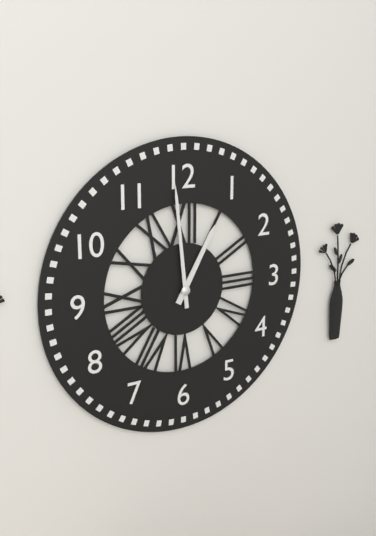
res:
12:59
